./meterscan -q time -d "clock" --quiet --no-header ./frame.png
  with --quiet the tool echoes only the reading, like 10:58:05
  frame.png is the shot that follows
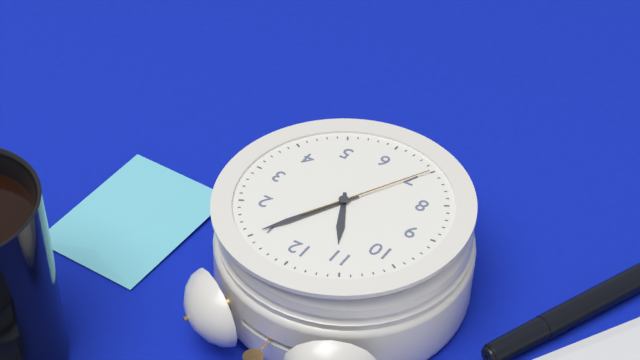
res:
11:05:35
